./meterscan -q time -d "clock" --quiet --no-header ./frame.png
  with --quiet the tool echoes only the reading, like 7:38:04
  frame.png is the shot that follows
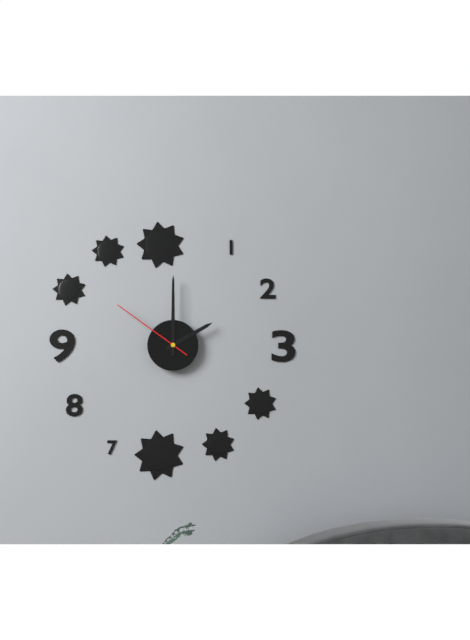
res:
2:00:51
